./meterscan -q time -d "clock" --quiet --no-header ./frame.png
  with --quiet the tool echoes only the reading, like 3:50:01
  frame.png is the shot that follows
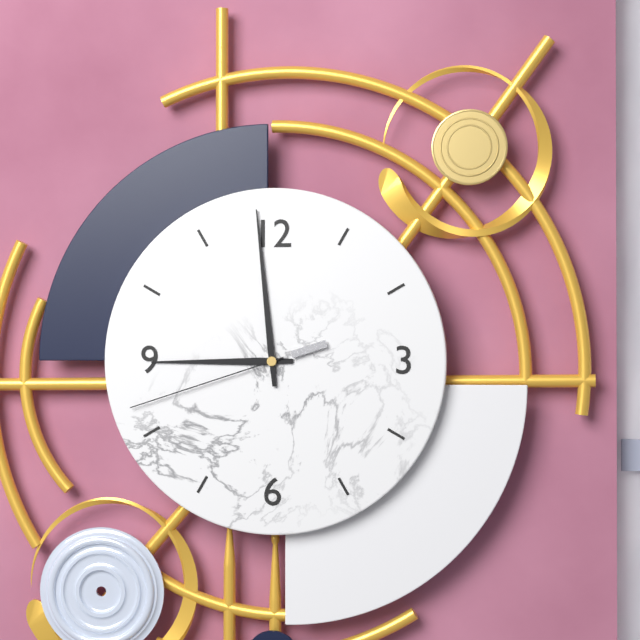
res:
8:59:42
